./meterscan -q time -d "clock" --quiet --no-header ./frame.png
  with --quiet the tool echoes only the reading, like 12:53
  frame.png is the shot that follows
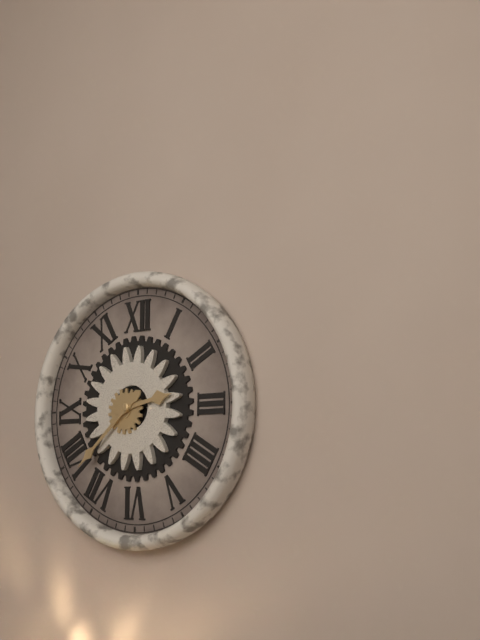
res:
2:38
